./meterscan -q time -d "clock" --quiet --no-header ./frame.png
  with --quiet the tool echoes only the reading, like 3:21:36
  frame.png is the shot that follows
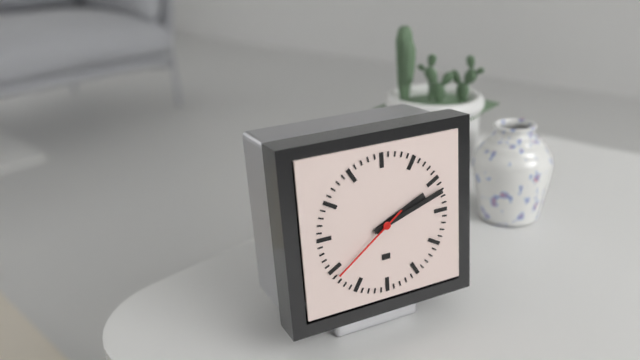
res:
2:12:39
